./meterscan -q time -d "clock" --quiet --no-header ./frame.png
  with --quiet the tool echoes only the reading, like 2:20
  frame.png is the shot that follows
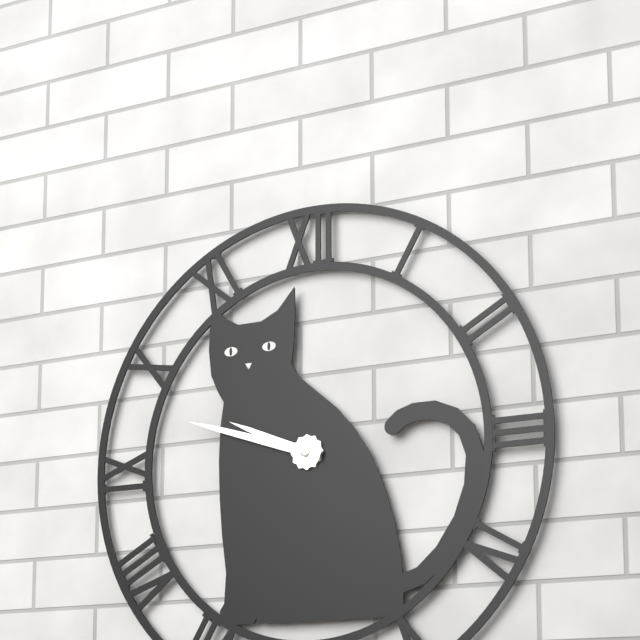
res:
9:48
